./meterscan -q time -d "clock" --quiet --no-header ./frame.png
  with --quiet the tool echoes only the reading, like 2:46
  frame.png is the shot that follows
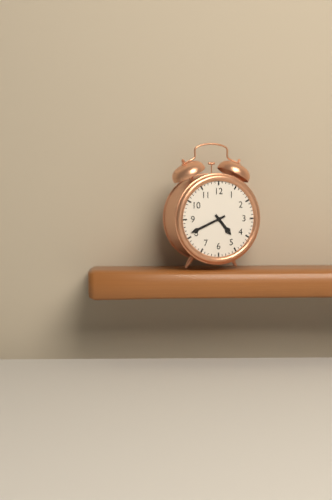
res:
4:41
